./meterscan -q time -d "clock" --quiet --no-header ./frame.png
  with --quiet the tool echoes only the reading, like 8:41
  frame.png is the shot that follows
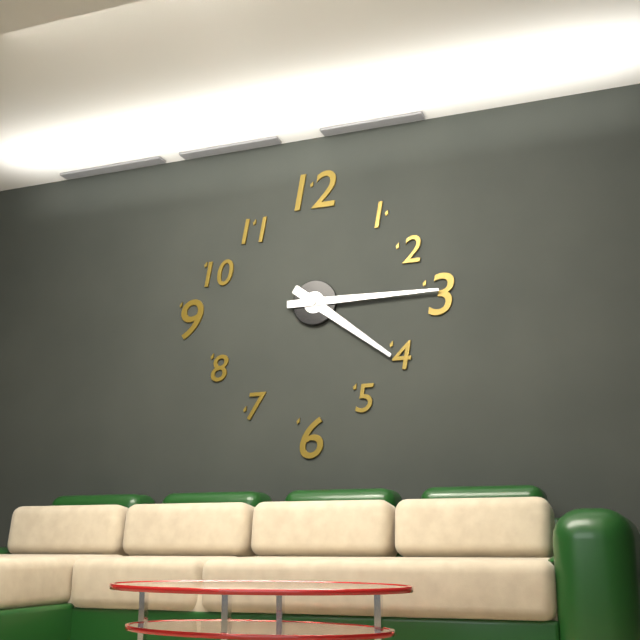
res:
4:15
